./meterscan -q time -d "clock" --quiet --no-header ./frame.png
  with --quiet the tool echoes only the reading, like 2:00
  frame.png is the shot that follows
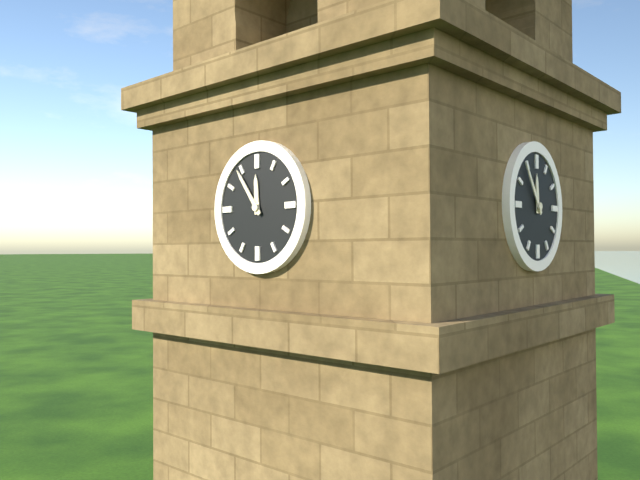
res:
11:54
